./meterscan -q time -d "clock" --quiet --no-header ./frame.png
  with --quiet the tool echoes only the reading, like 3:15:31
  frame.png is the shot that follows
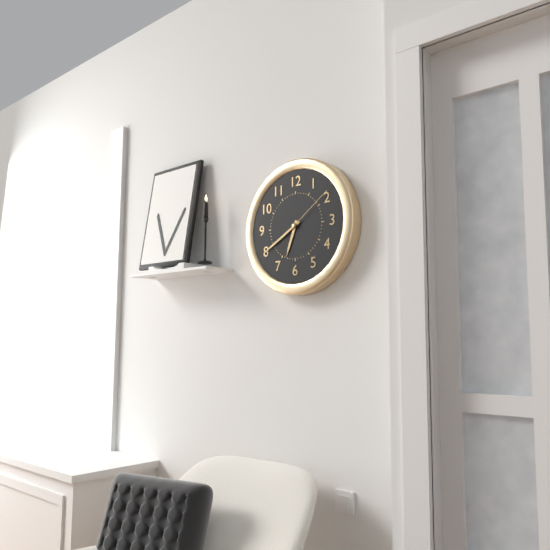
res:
6:40:09
